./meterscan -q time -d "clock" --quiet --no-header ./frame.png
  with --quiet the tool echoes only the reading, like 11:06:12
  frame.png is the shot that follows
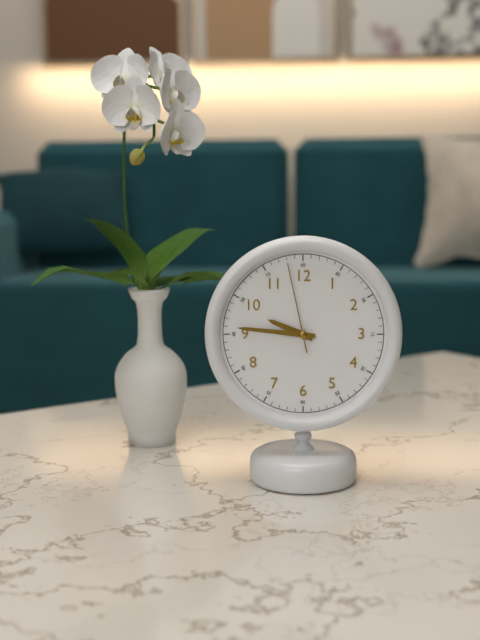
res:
9:46:58
